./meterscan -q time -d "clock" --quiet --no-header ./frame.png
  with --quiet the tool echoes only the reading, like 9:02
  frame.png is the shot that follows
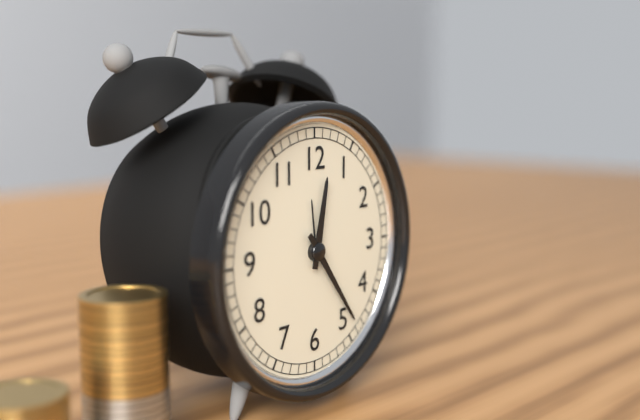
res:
12:24
